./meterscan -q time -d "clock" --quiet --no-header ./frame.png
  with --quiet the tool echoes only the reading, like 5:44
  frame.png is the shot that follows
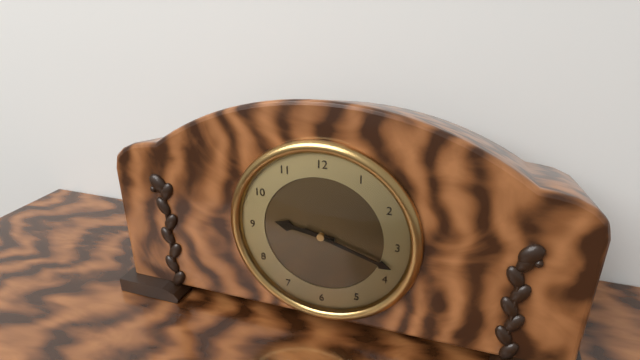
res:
9:18
